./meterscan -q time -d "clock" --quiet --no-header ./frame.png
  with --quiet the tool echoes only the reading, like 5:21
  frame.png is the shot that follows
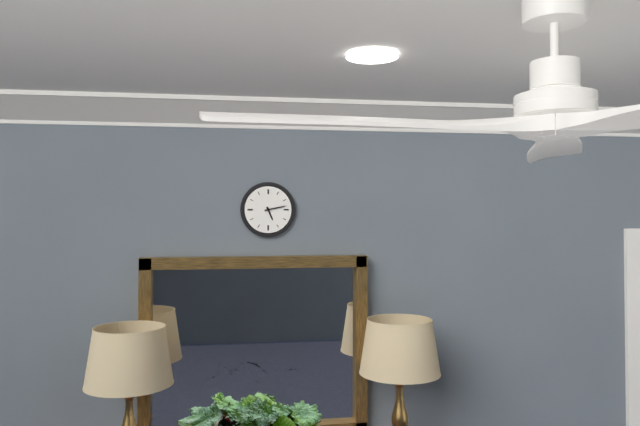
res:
5:13
